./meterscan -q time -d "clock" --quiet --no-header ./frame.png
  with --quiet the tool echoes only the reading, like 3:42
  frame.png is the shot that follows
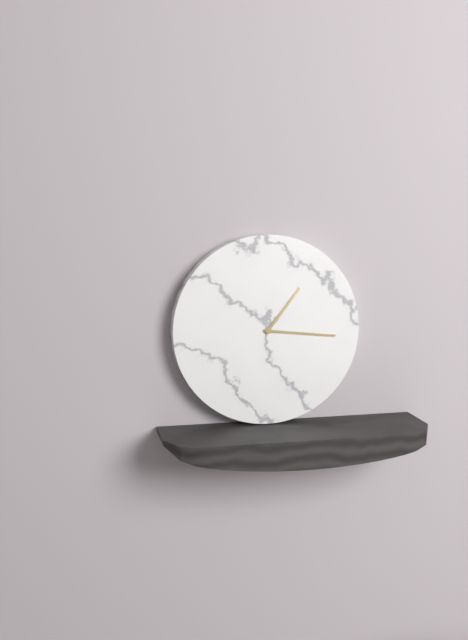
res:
1:16
